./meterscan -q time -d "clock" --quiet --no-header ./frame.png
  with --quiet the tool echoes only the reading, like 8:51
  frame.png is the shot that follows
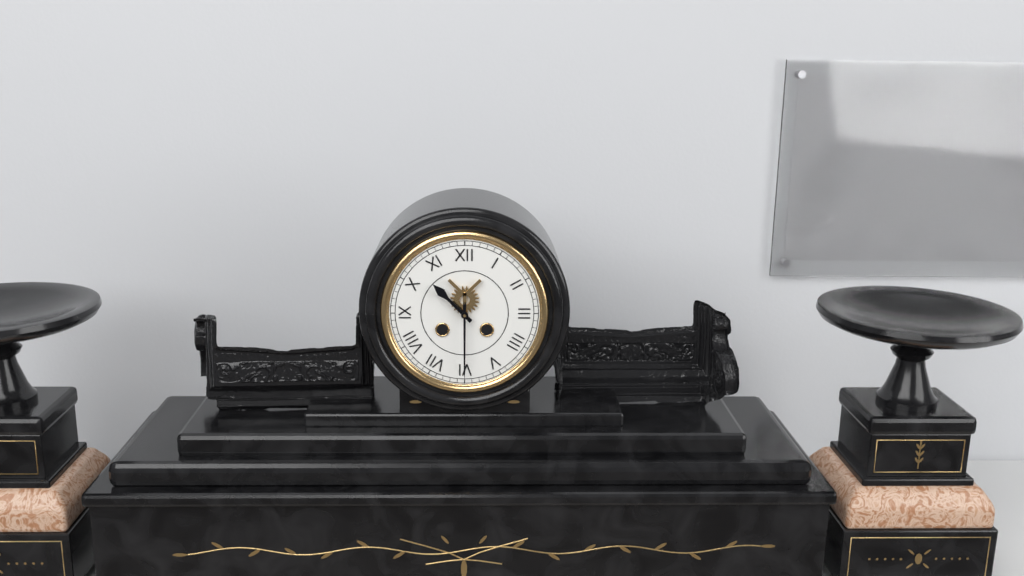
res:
10:30
